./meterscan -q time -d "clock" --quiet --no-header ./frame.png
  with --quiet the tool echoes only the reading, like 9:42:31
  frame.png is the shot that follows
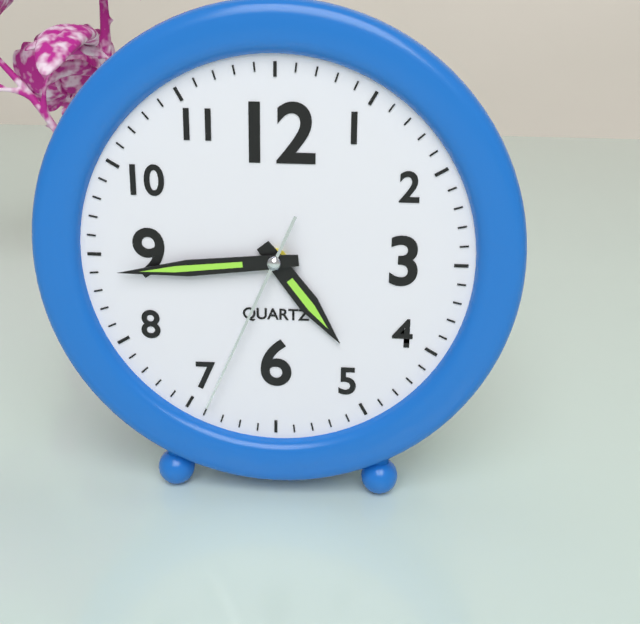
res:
4:44:34
